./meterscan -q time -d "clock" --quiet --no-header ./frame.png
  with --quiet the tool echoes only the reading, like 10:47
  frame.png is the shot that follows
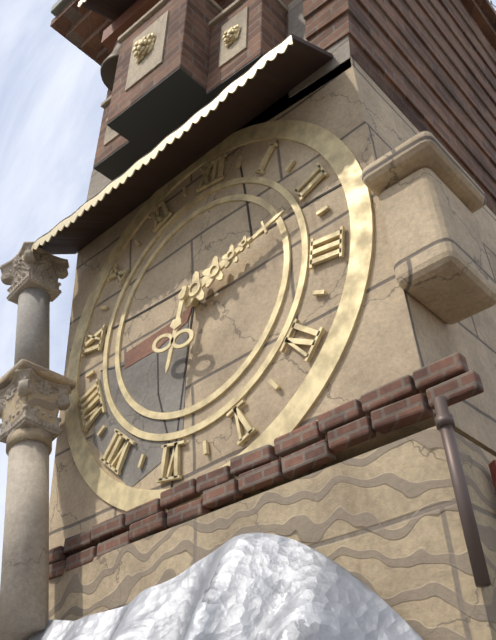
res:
6:11
